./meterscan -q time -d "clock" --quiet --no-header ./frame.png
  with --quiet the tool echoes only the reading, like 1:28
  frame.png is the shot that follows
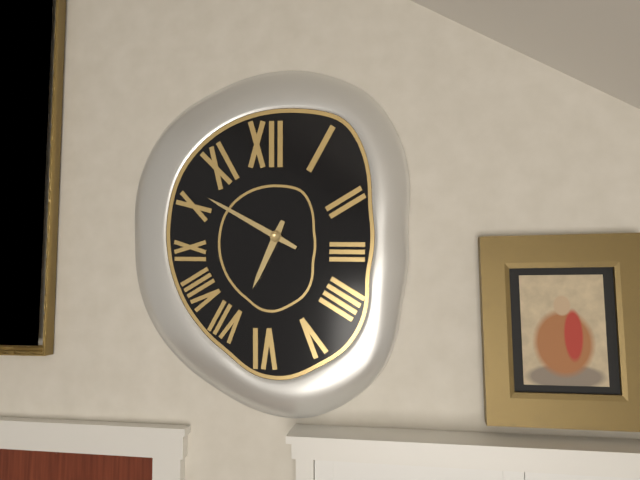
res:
6:50
